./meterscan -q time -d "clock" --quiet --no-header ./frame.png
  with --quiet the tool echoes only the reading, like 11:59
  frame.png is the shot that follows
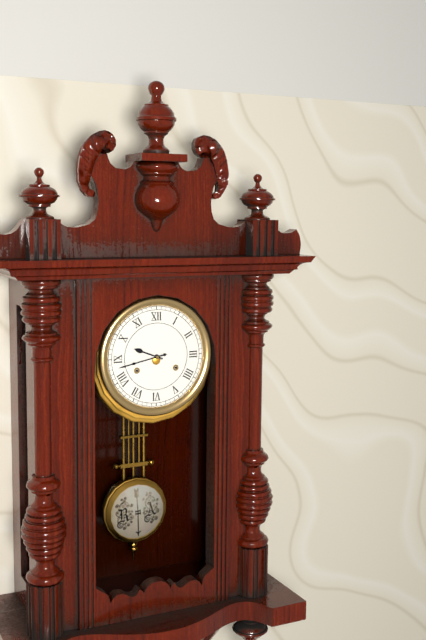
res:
9:43
